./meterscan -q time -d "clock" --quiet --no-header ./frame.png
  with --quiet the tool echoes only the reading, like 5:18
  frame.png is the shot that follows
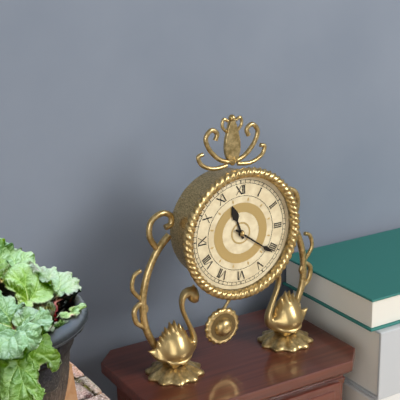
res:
11:21
